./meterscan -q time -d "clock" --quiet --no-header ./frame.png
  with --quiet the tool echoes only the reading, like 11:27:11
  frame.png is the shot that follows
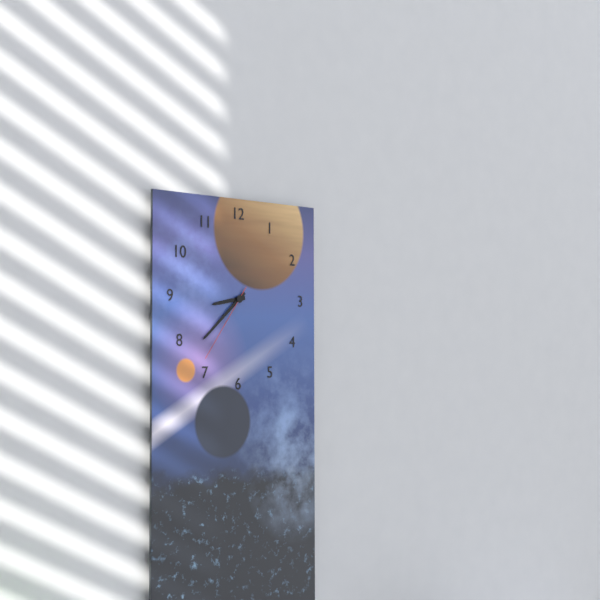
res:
8:38:36
